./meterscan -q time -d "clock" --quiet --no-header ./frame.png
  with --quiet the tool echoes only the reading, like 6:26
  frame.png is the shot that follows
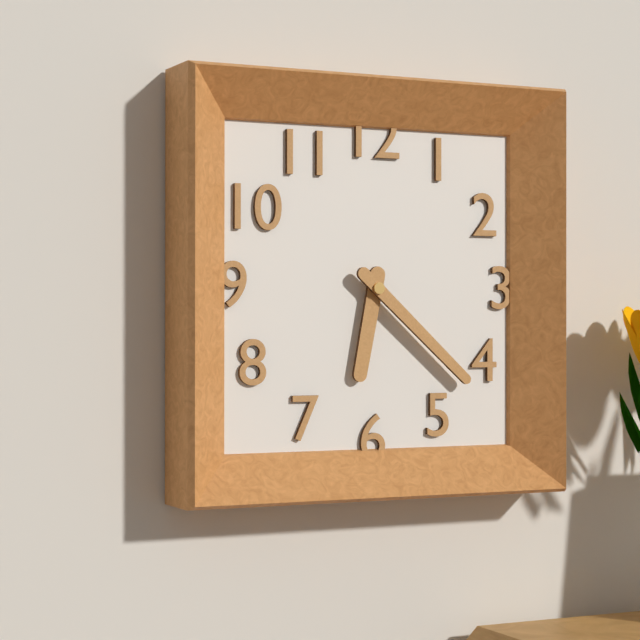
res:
6:22
